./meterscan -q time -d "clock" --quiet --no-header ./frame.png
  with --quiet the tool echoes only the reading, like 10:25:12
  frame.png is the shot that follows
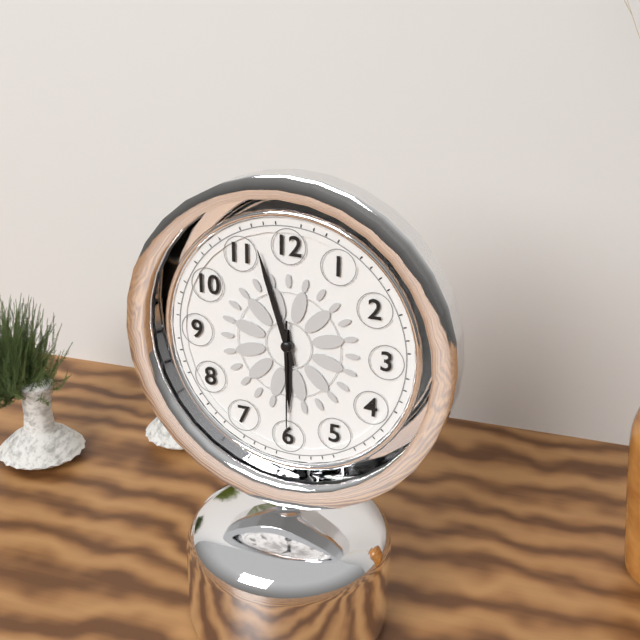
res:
5:57:30
